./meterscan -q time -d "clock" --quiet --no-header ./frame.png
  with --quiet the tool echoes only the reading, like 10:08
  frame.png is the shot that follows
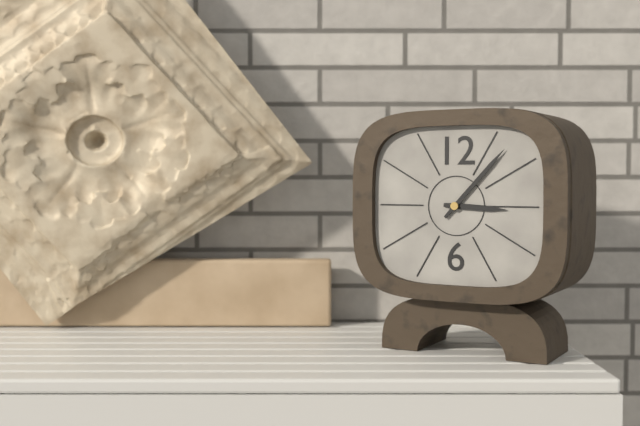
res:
3:07
